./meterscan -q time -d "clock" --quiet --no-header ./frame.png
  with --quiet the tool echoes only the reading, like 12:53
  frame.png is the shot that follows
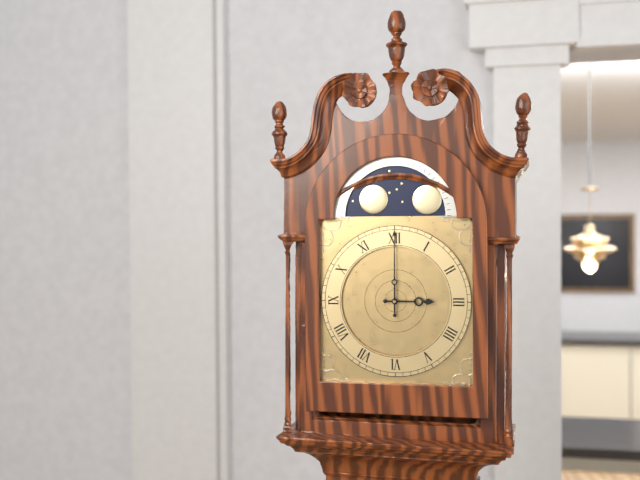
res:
3:00
